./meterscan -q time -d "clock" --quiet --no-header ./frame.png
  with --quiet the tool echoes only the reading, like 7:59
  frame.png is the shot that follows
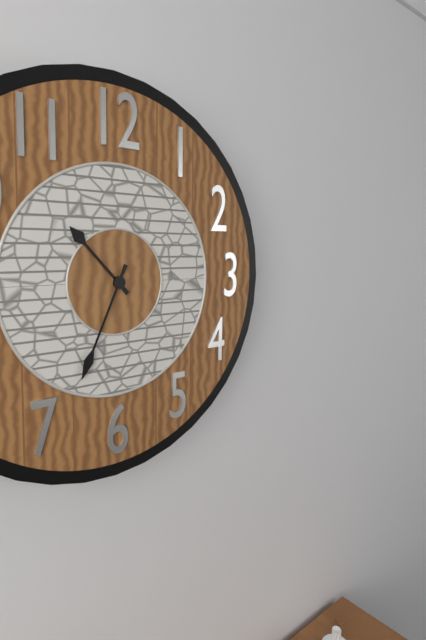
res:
10:34
